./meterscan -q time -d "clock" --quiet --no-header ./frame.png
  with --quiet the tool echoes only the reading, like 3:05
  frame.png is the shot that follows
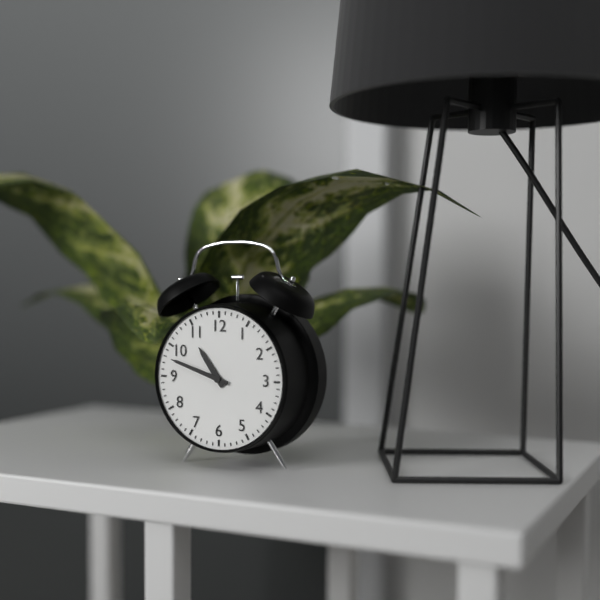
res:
10:48
